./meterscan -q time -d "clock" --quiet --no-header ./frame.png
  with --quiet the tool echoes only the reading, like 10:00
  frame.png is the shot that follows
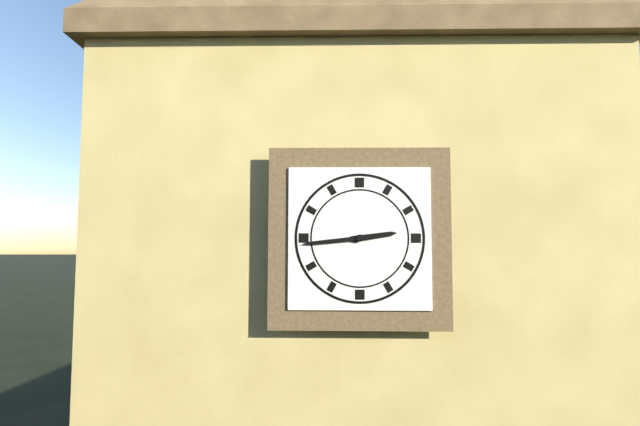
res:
2:44
